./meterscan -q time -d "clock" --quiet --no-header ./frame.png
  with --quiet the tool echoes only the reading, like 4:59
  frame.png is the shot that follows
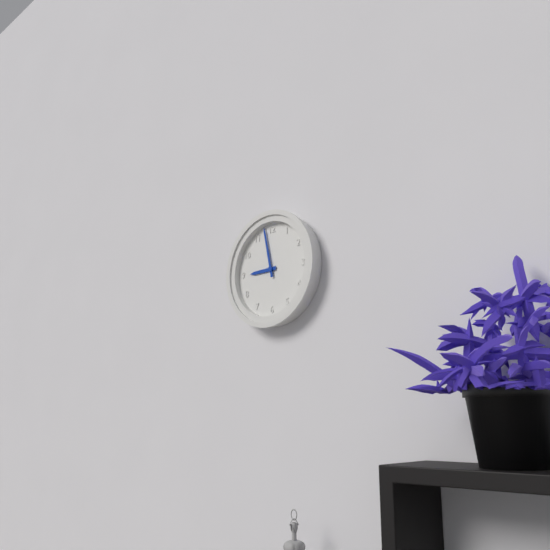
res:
8:58
